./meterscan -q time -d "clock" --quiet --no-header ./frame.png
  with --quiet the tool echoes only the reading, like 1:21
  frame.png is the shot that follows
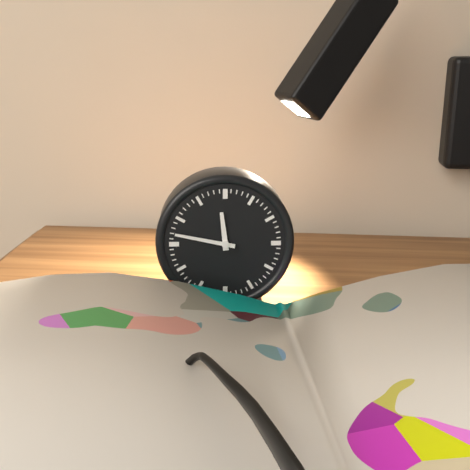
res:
11:47
